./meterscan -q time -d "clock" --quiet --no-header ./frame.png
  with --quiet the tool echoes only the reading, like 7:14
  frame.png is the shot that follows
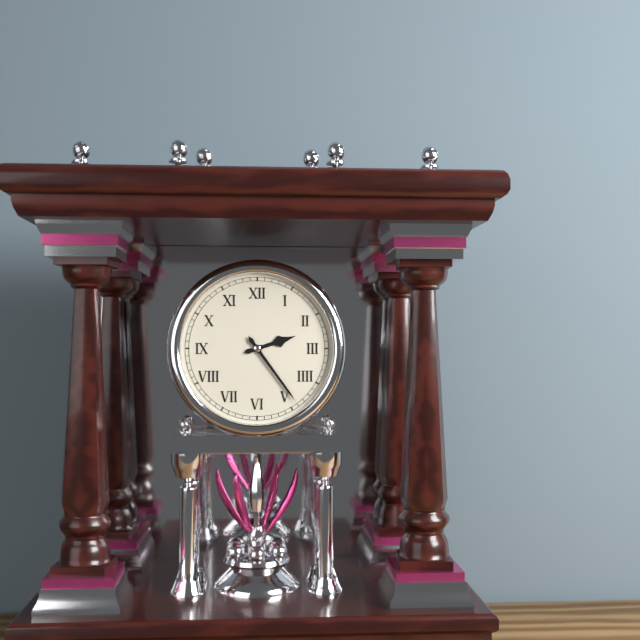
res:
2:24
